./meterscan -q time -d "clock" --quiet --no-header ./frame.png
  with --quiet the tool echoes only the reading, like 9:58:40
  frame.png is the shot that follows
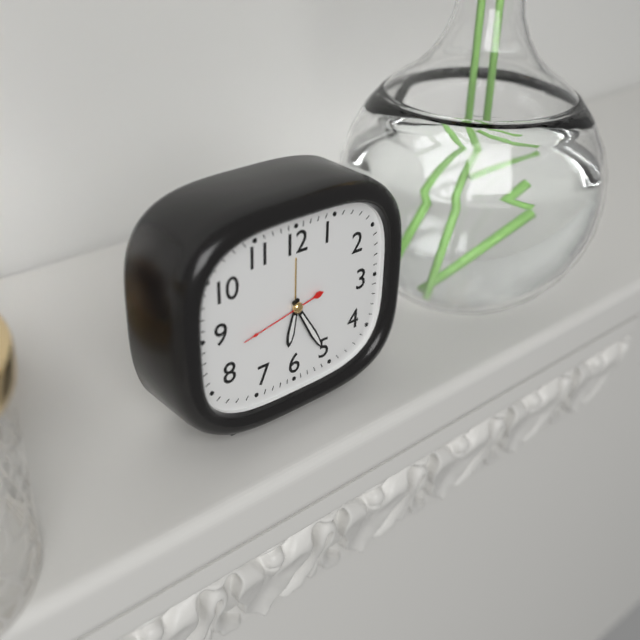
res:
6:25:43
